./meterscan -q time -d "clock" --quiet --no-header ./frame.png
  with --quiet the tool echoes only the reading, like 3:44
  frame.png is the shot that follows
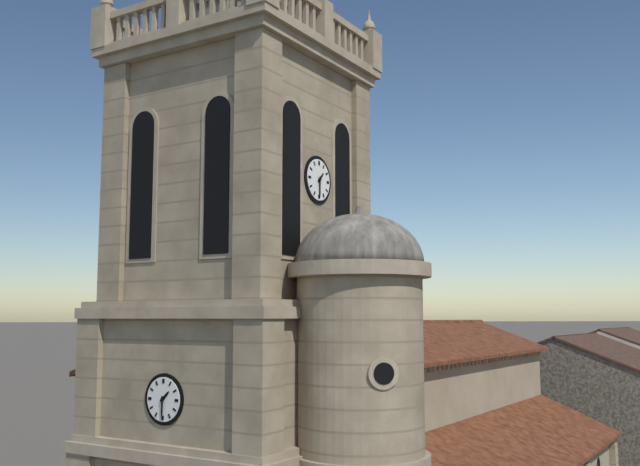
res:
1:30
